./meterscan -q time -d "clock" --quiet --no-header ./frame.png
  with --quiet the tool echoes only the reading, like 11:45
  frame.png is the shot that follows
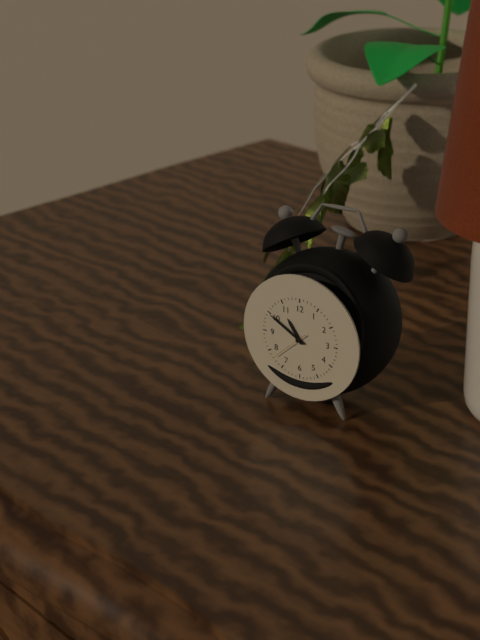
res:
10:50
